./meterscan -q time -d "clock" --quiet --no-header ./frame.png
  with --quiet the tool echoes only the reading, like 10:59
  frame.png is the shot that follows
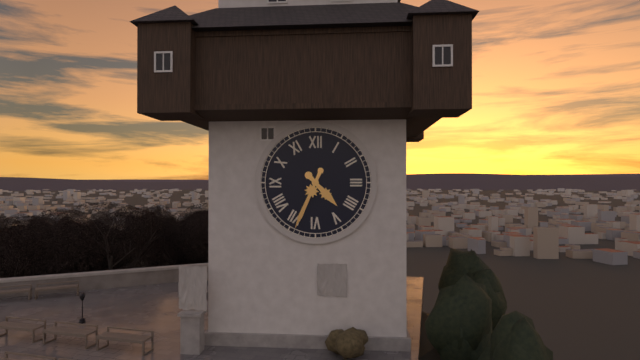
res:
4:34
